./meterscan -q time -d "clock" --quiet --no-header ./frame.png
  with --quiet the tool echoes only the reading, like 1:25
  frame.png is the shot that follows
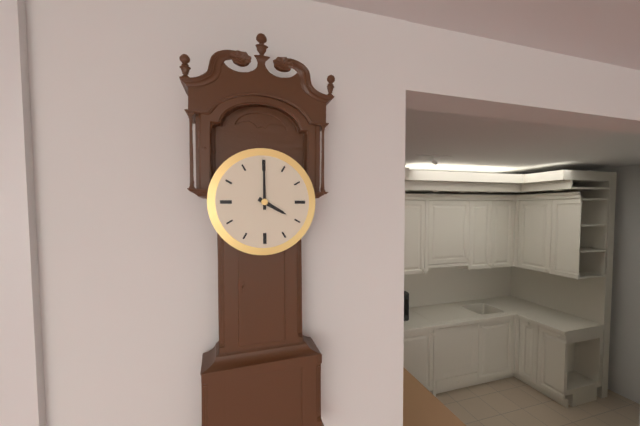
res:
4:00
